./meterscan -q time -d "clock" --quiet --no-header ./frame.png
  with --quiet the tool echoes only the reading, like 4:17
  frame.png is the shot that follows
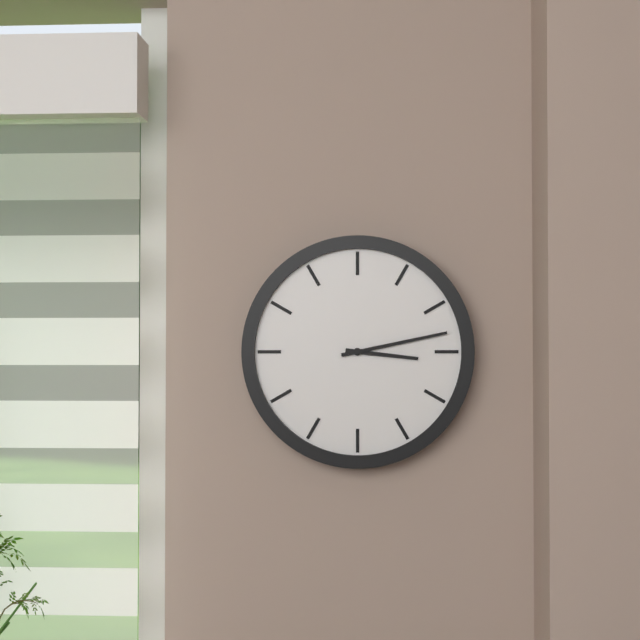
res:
3:13
